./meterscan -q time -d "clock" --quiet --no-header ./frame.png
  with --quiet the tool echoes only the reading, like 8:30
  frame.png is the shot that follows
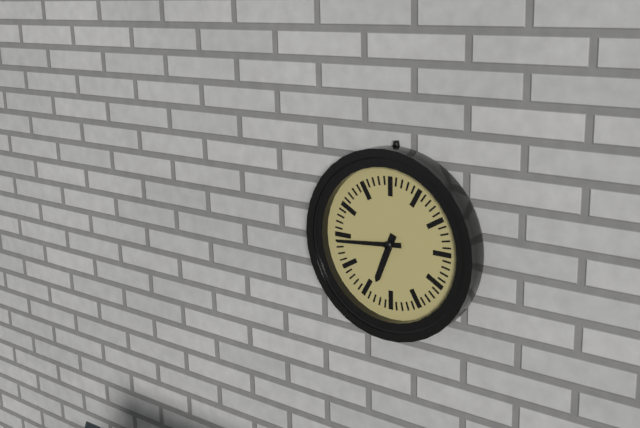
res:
6:44
